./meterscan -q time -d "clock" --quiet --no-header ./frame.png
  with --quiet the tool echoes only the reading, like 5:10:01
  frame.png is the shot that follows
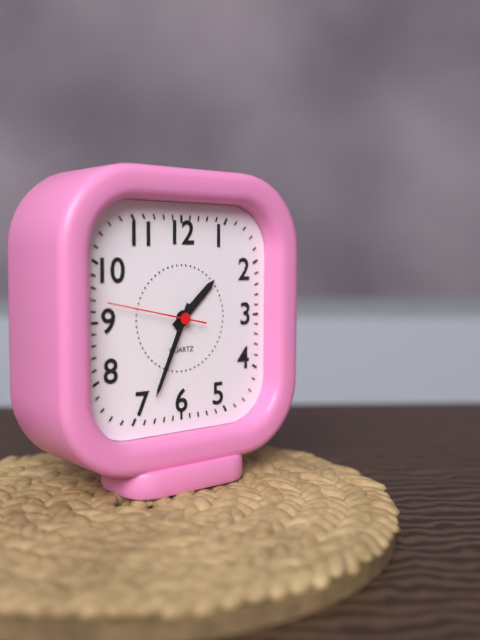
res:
1:34:47
